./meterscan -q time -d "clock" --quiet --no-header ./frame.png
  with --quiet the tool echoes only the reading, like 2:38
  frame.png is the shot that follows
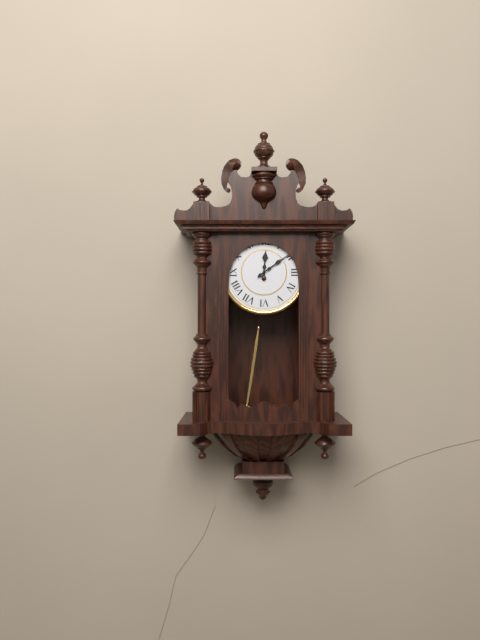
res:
12:09
